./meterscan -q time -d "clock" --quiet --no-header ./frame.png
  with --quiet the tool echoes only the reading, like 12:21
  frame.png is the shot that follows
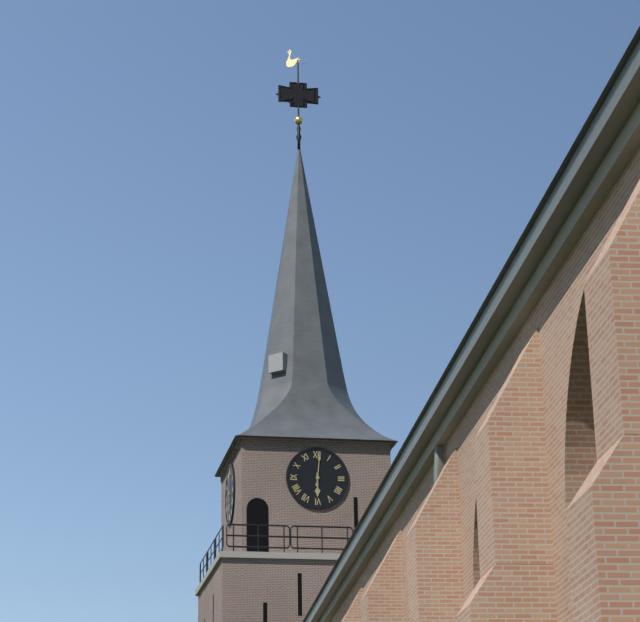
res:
6:01
